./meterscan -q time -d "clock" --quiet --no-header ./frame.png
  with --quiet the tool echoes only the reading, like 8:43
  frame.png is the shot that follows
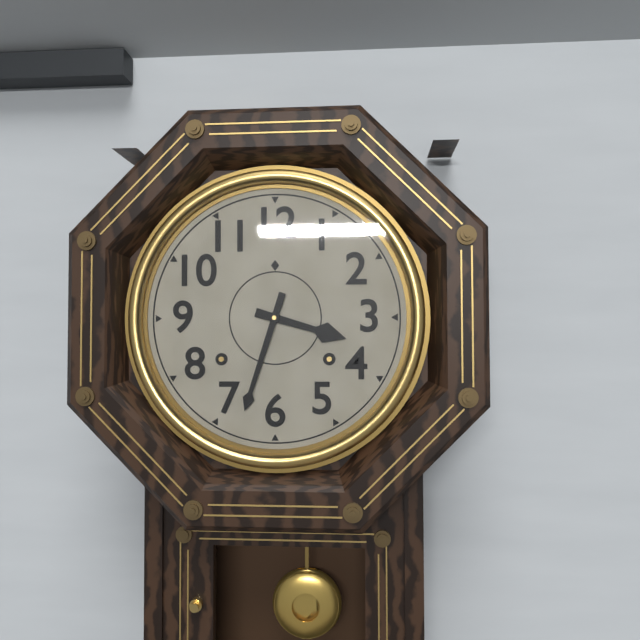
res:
3:33
